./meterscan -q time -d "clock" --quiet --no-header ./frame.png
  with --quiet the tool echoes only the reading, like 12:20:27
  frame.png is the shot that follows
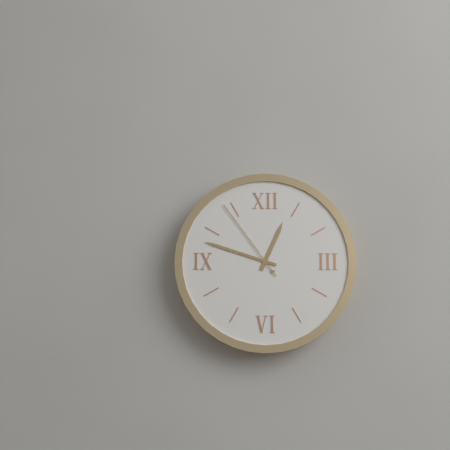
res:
12:48:54
